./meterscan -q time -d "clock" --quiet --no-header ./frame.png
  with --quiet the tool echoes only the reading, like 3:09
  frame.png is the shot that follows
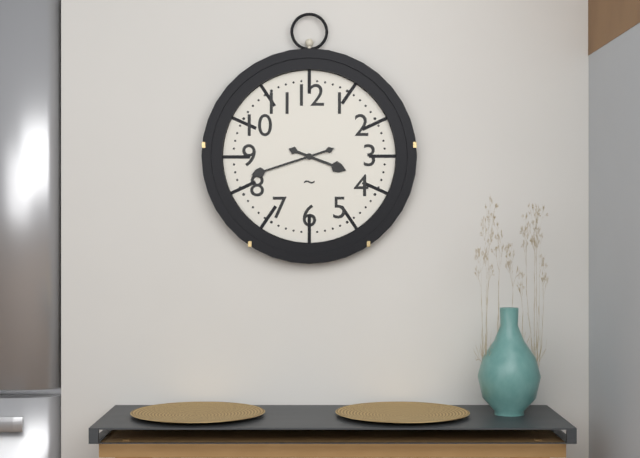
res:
3:42
